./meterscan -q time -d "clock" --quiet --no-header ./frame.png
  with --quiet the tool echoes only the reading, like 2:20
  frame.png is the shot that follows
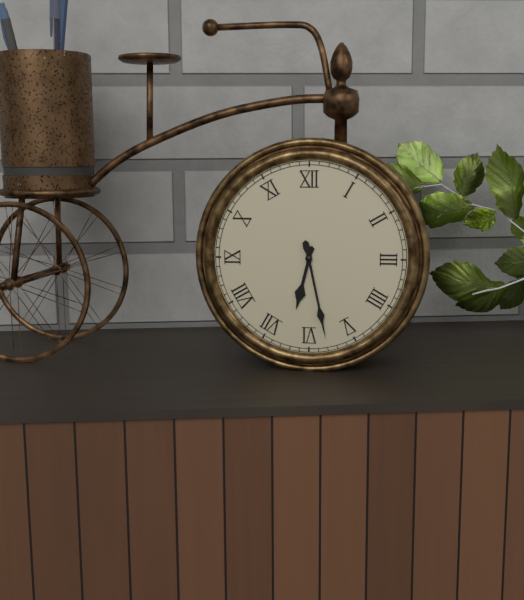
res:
6:28
